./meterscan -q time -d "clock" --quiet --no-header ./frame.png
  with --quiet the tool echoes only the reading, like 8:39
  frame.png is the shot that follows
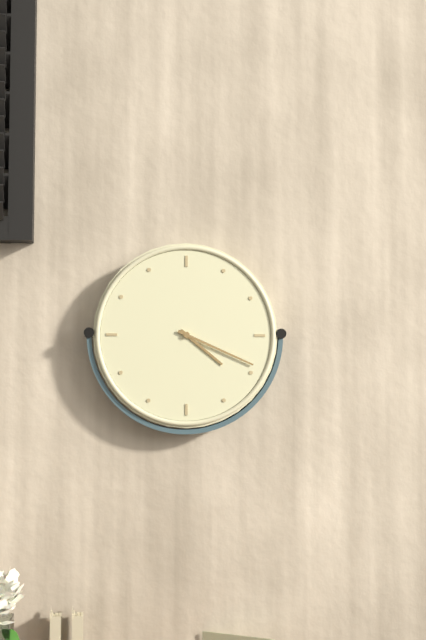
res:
4:19
